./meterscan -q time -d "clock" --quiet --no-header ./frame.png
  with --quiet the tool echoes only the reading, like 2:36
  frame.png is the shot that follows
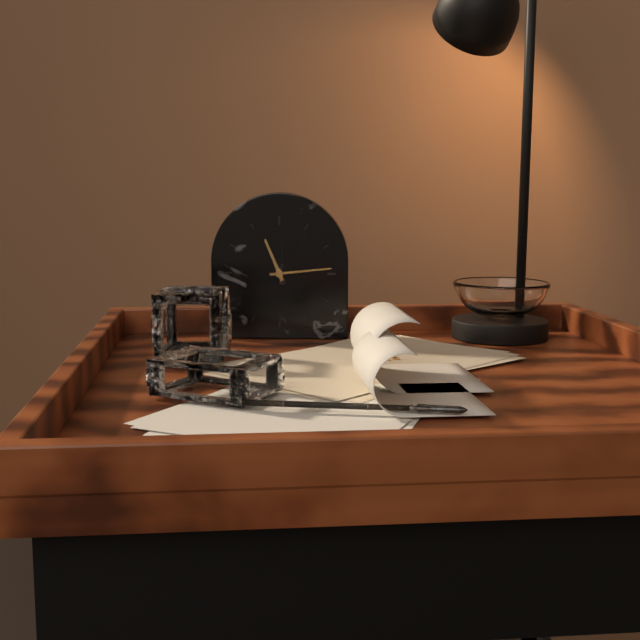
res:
11:14
